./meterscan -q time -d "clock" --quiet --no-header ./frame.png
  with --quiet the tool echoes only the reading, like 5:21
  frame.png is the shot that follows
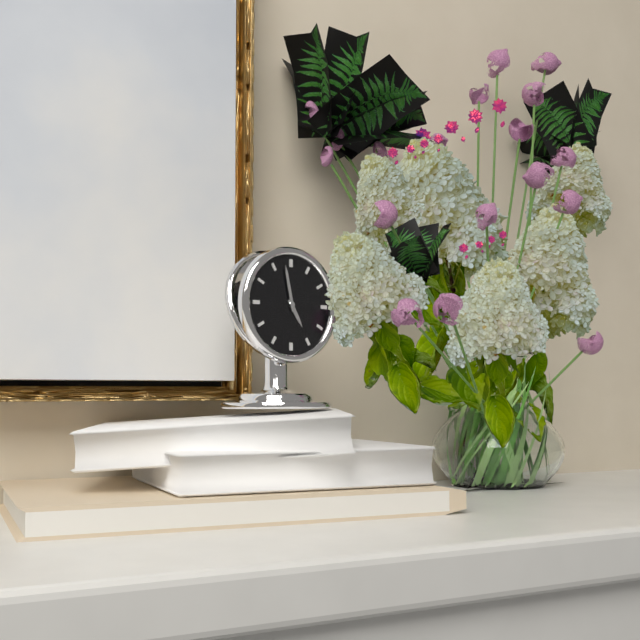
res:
4:58
